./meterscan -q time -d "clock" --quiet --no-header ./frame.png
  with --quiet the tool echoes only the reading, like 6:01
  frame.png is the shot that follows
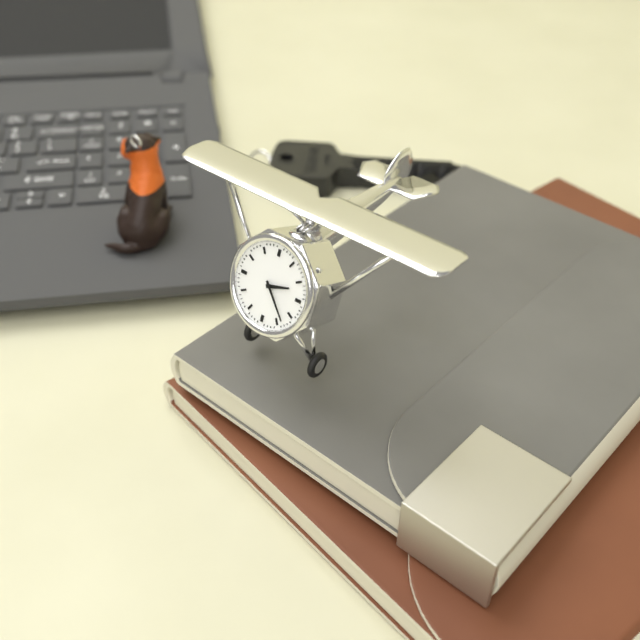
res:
2:23
